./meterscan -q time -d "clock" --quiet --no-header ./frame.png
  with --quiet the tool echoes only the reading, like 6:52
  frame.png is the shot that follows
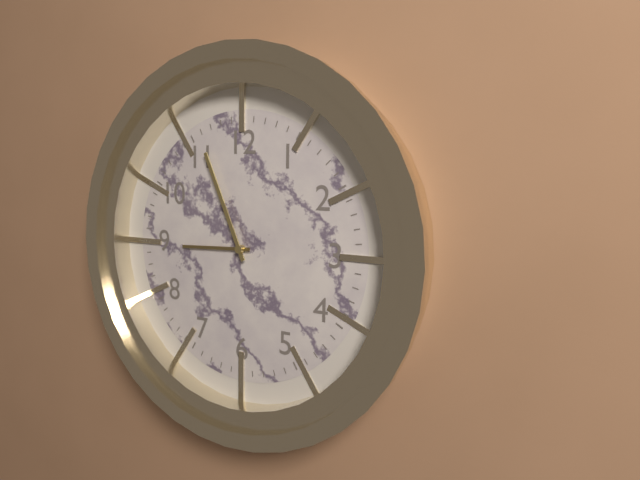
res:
8:56
